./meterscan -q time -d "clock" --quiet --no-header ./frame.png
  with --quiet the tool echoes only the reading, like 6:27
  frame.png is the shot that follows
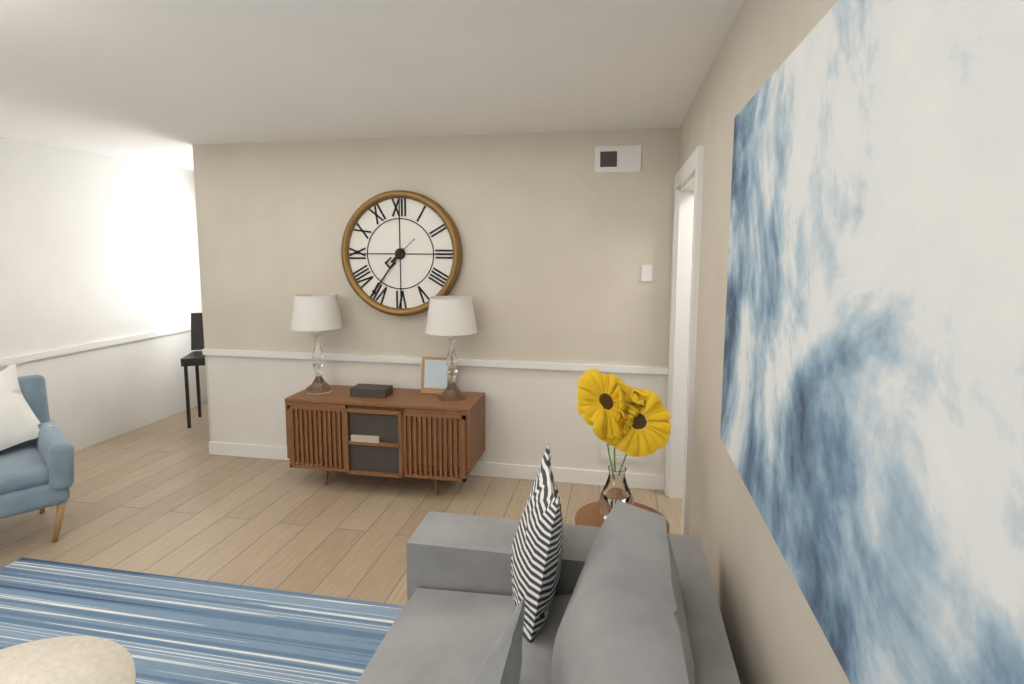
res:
7:36
